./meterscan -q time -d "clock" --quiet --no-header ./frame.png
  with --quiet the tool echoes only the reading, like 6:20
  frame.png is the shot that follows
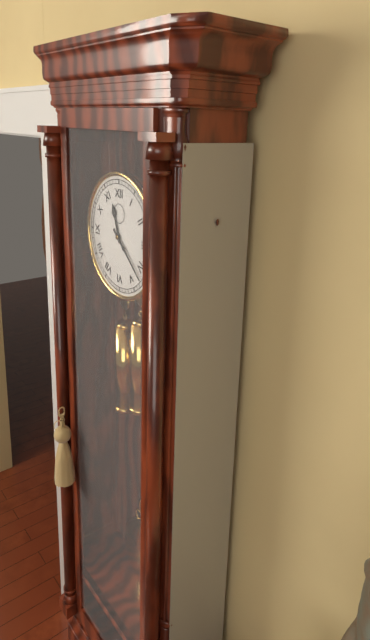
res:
11:22
